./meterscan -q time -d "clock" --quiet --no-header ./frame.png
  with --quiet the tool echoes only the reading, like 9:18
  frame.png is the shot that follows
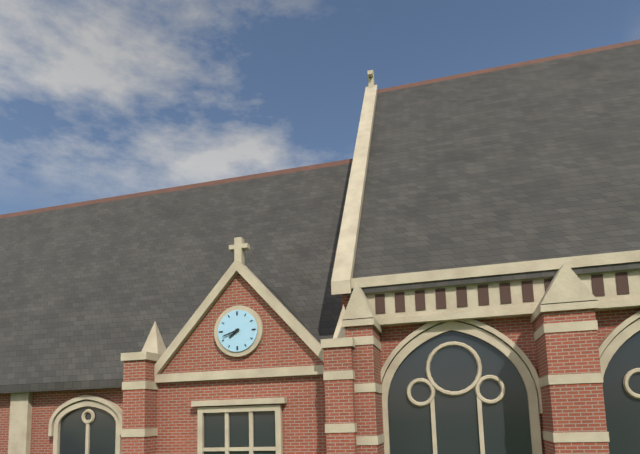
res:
7:42
